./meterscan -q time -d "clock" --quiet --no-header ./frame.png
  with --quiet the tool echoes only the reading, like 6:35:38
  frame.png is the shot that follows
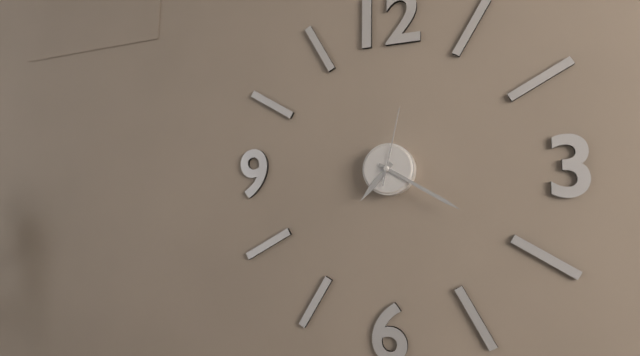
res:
7:20:02
